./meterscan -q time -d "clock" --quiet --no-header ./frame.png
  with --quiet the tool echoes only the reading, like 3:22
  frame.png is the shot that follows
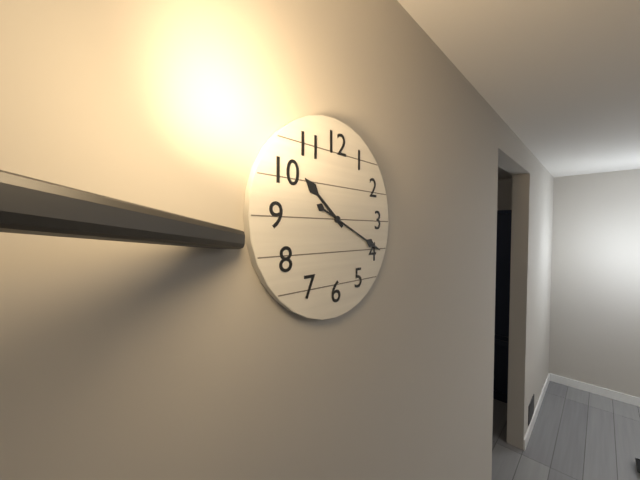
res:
10:19
